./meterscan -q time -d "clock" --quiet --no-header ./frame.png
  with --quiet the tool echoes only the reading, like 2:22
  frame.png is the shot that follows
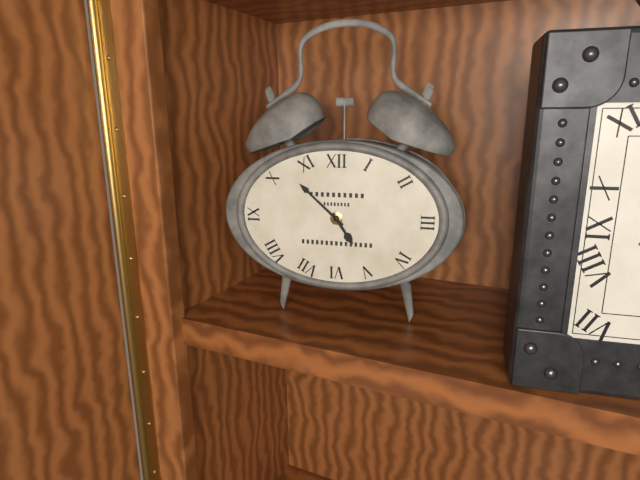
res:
4:52
